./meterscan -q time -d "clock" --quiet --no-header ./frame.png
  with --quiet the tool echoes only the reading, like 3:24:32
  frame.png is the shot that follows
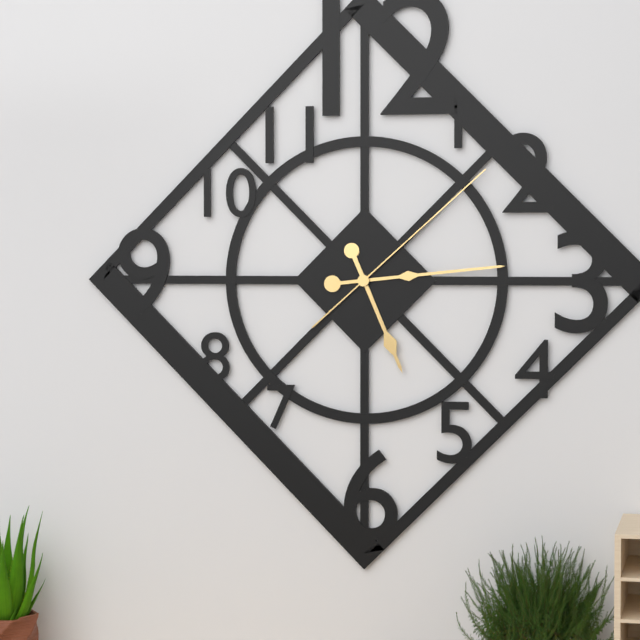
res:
5:14:08
